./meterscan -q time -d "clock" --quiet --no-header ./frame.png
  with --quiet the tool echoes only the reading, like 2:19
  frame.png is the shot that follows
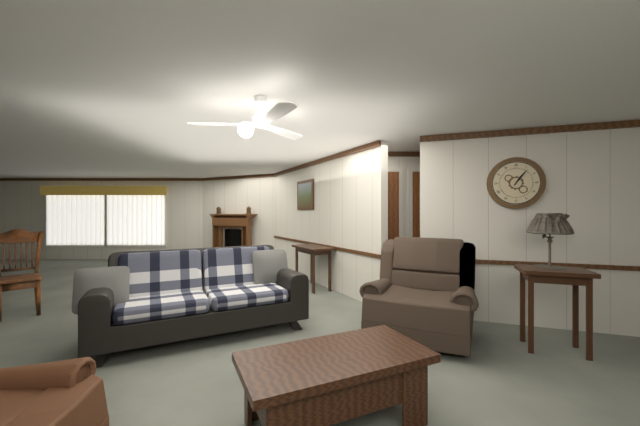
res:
1:06
